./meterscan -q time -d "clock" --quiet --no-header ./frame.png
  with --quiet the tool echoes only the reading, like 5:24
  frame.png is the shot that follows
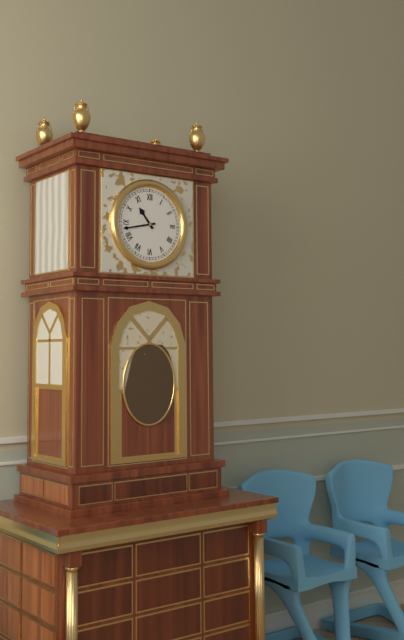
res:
10:43
